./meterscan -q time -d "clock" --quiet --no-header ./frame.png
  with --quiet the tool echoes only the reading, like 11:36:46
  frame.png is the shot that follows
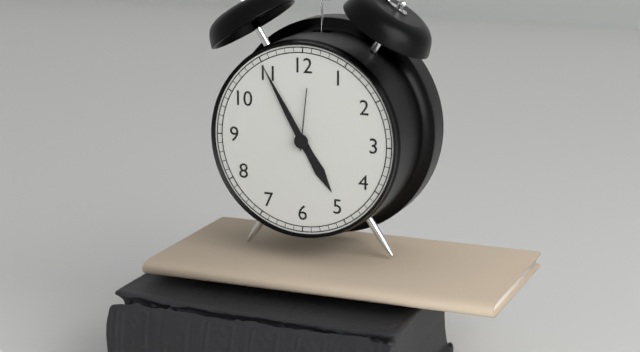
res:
4:55:01
